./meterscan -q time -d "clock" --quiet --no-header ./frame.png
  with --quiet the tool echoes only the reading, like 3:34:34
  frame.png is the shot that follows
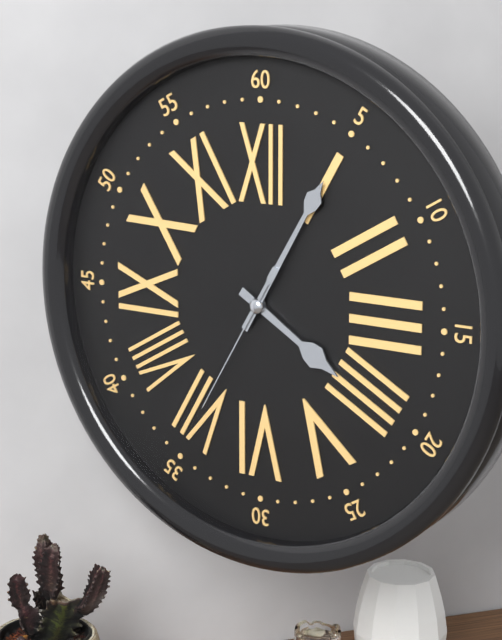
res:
4:05:35
